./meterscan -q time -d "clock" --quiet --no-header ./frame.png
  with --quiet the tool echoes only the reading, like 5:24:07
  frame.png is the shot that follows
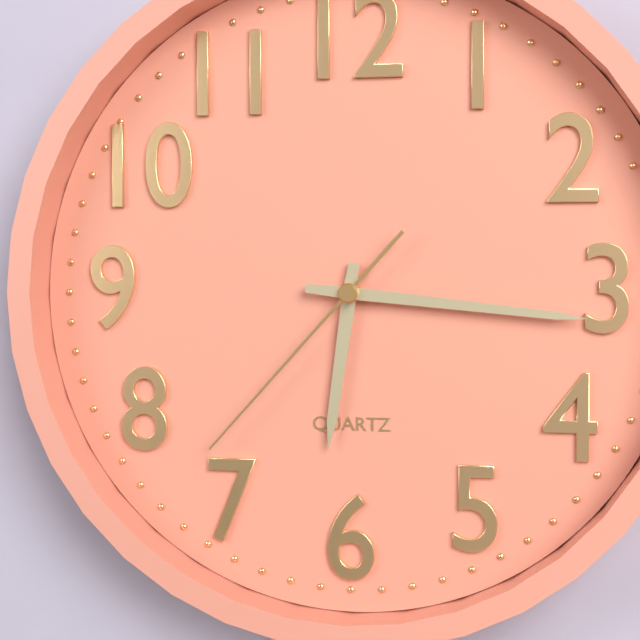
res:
6:16:37
